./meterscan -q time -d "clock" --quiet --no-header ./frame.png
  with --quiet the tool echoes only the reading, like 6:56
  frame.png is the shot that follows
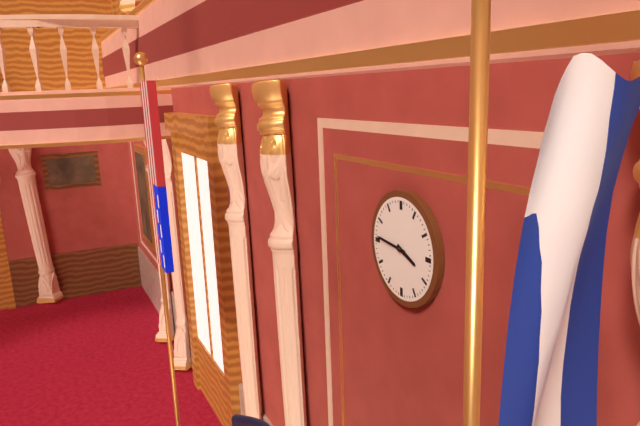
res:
3:46
